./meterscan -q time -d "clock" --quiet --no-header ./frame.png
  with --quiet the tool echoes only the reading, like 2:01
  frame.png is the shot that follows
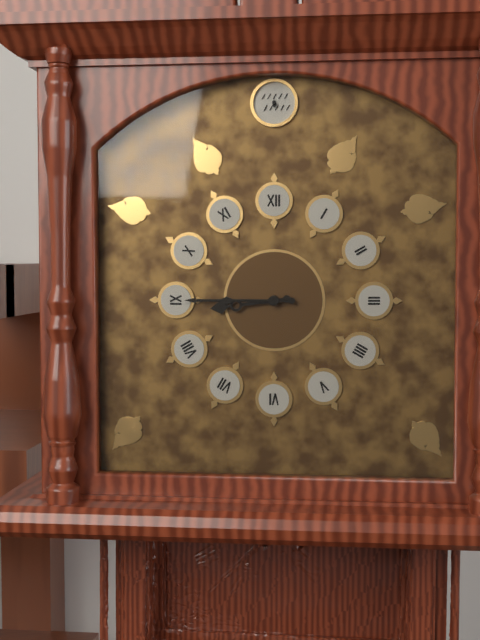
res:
8:45
